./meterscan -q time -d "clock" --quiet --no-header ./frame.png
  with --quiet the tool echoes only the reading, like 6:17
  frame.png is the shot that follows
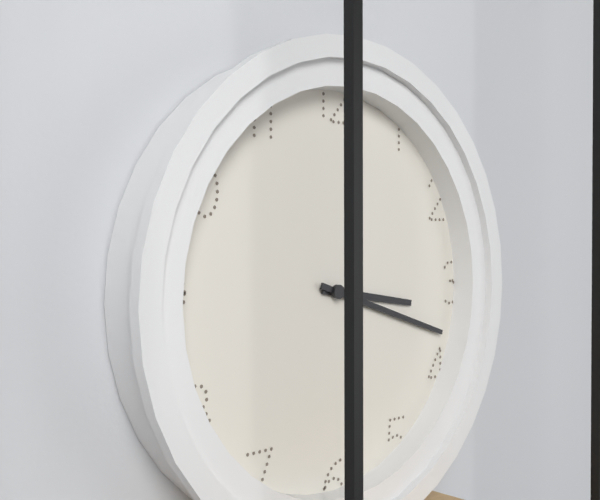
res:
3:18
